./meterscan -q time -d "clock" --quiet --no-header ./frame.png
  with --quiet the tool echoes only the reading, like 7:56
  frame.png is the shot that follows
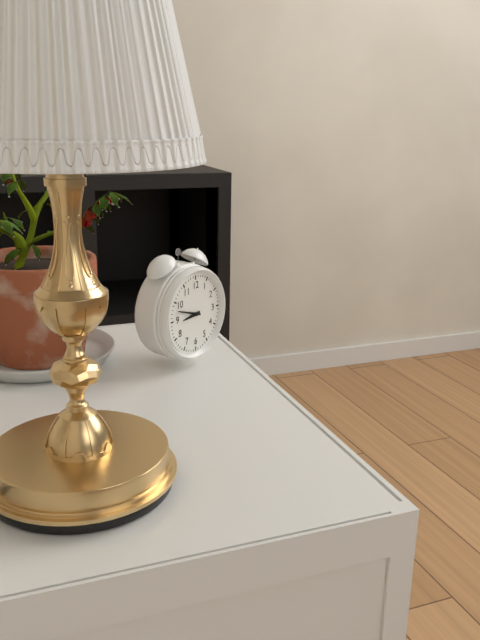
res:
8:48
